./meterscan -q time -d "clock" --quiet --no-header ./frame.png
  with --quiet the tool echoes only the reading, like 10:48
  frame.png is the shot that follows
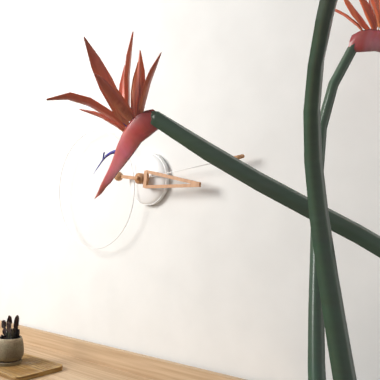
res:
3:14
